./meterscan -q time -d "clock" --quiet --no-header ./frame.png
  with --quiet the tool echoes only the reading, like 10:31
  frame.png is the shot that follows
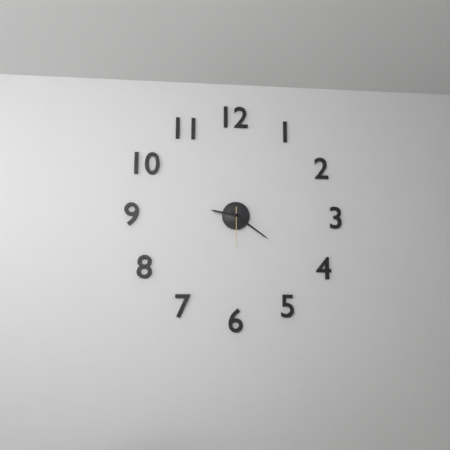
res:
9:21
